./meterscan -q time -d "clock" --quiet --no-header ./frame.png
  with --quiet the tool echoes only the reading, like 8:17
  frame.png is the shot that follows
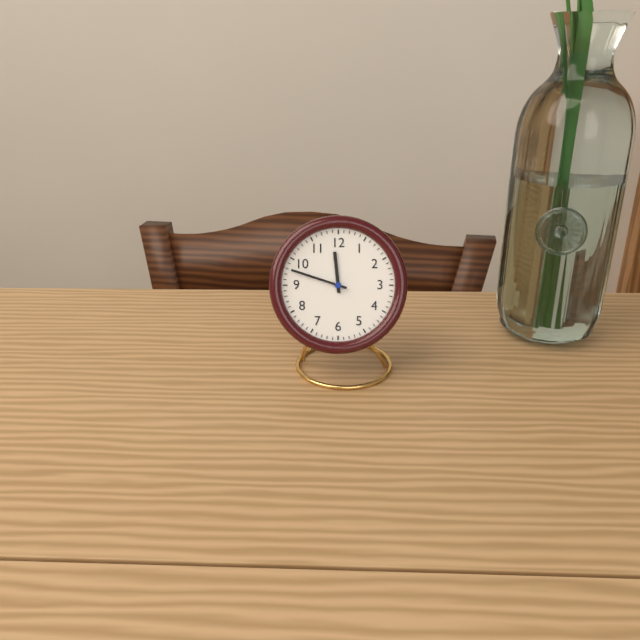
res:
11:48
